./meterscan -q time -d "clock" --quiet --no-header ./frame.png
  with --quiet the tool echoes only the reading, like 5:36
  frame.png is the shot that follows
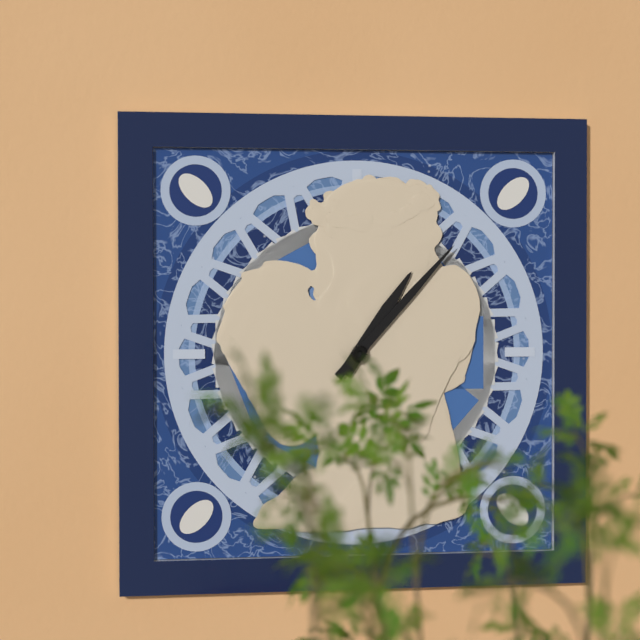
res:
1:07
